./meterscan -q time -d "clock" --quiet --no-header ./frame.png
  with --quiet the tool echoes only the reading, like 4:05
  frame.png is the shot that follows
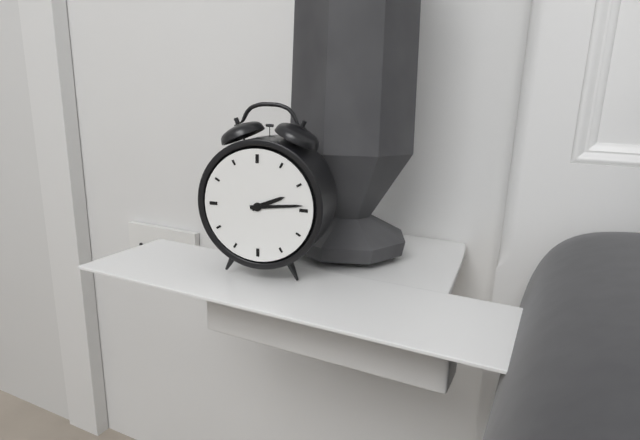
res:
2:14
